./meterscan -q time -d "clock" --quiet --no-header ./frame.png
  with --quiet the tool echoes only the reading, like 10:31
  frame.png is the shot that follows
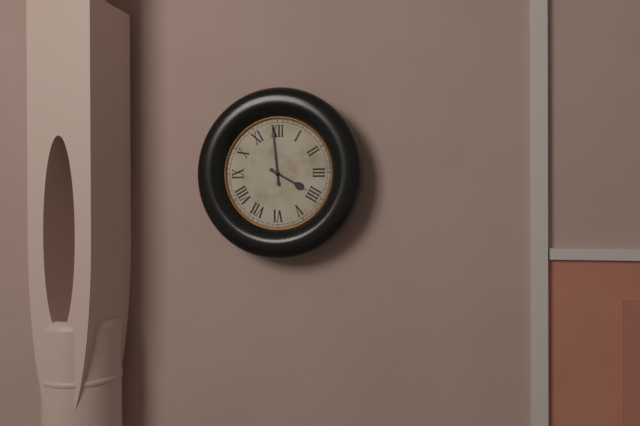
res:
3:59
